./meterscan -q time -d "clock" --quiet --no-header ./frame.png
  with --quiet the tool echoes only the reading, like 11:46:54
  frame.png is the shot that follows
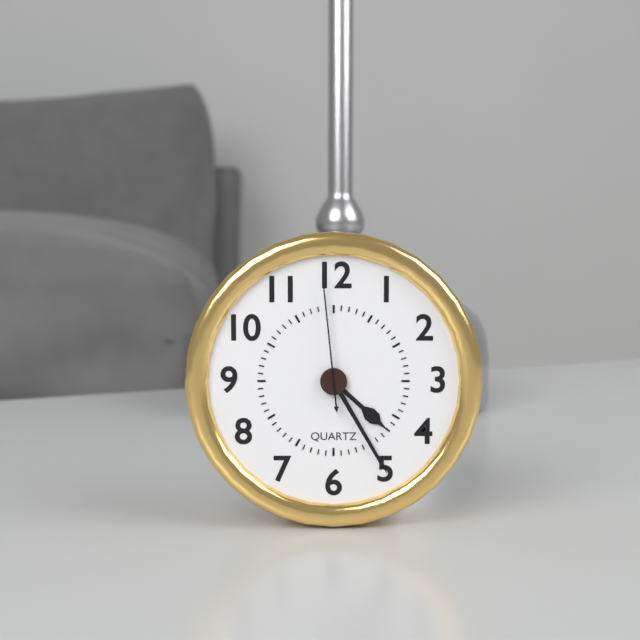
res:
4:25:59
